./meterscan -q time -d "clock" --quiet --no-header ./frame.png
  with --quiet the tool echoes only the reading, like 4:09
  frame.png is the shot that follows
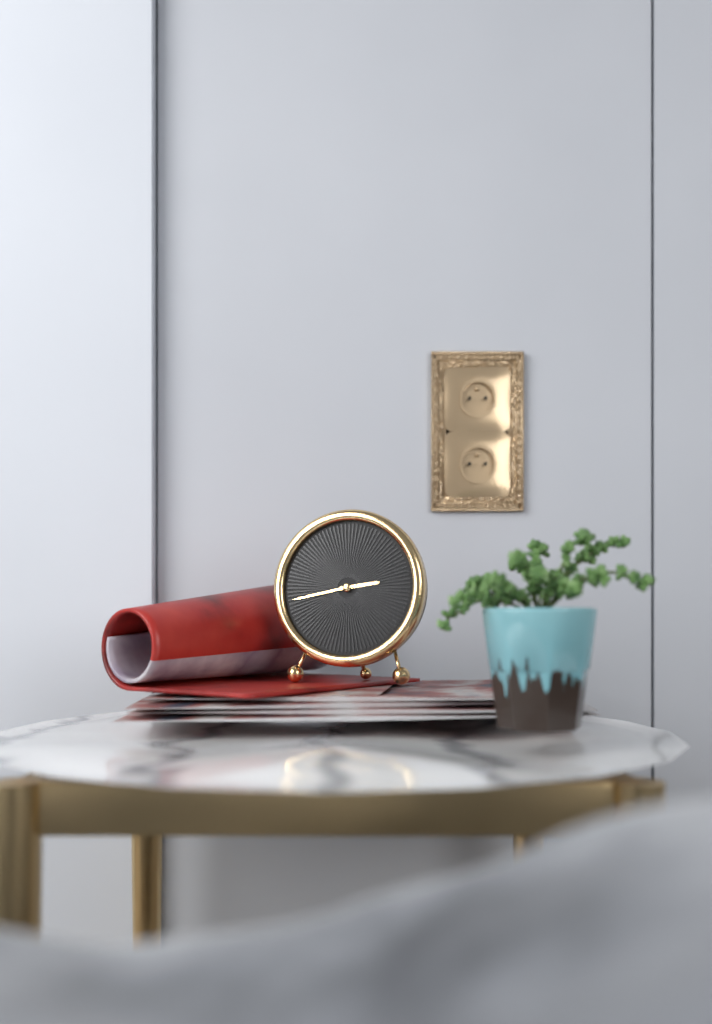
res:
2:43
